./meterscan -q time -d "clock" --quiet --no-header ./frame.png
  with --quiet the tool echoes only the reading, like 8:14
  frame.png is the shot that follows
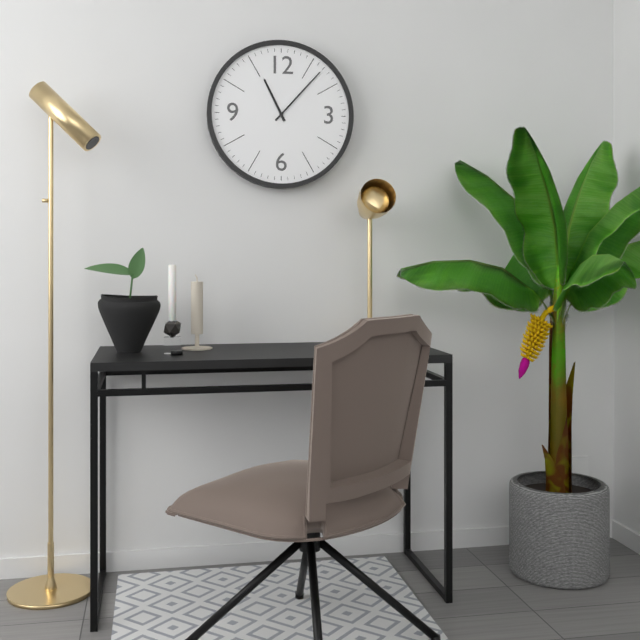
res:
11:07
